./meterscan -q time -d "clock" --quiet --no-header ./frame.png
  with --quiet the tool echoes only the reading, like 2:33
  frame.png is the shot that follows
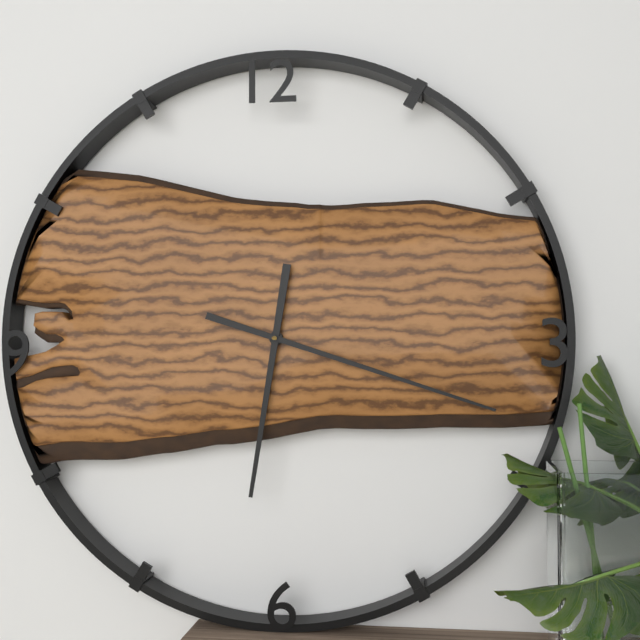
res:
6:18
